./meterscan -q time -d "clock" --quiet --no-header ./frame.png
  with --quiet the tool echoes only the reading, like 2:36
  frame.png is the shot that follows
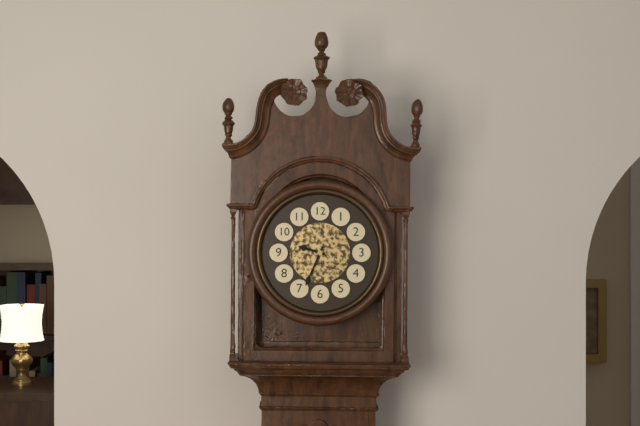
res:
9:34
